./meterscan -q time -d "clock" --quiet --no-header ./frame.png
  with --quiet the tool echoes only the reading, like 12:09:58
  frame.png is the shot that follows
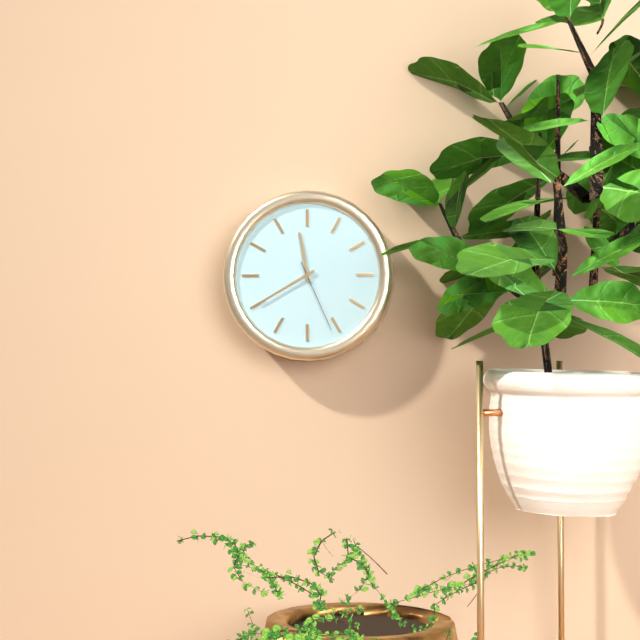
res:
11:40:26
